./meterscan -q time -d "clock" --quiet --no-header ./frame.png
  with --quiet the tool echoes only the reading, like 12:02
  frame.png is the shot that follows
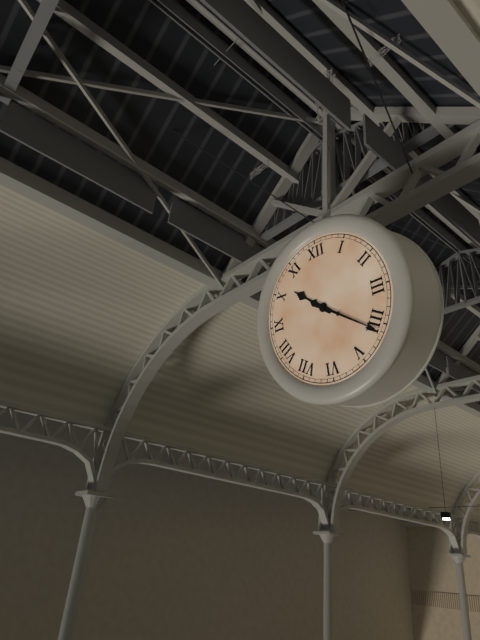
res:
10:21
